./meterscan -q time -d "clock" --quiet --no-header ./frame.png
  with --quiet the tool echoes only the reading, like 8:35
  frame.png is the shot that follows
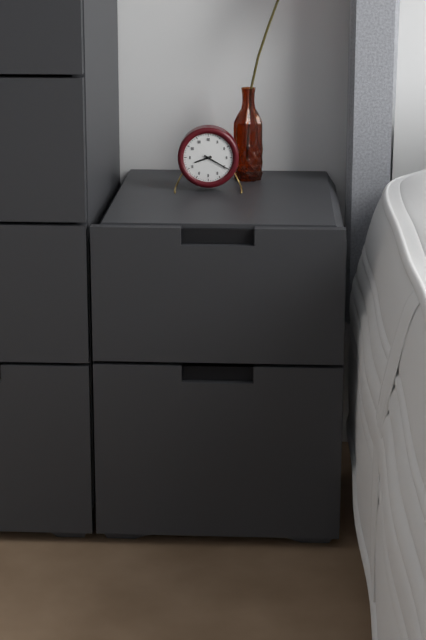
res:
8:20
